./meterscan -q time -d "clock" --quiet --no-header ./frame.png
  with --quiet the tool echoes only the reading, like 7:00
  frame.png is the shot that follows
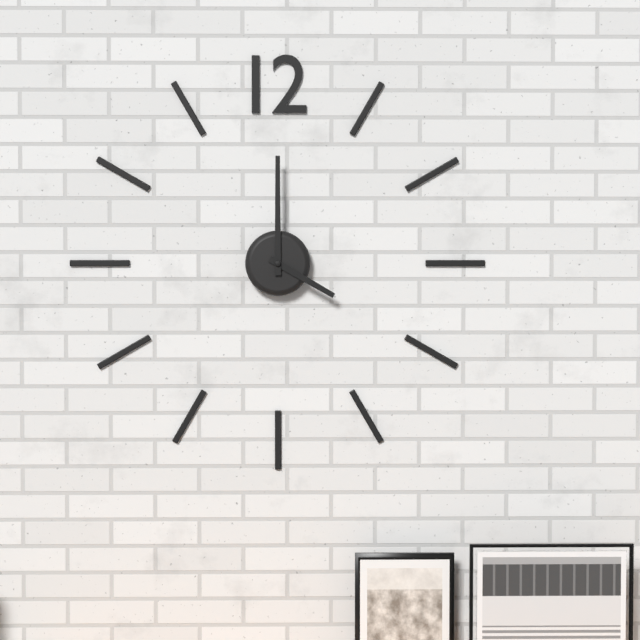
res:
4:00
